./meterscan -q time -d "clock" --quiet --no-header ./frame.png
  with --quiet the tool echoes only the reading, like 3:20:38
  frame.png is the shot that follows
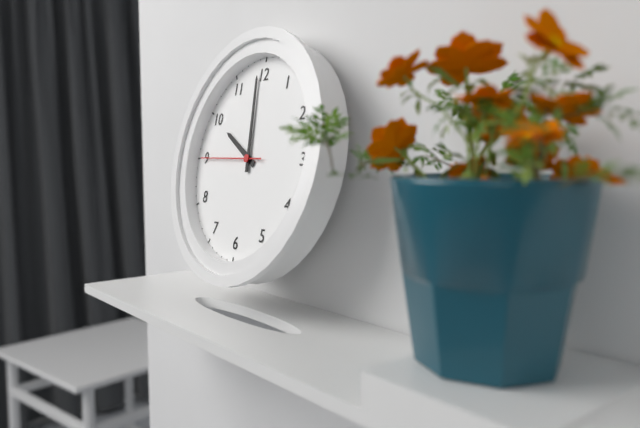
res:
9:59:45
